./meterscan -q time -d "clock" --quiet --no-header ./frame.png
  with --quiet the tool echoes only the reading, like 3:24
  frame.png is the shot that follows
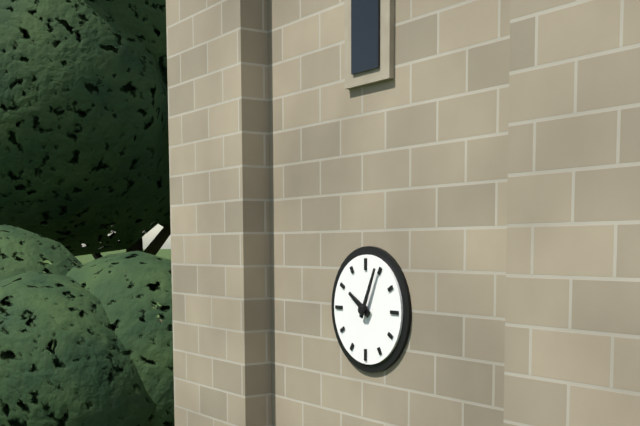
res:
10:04
